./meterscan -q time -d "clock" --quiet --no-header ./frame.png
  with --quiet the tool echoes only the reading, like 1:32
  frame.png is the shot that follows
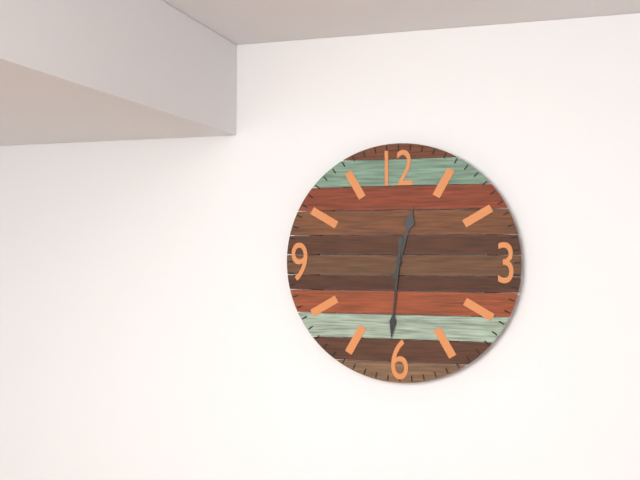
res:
12:31
